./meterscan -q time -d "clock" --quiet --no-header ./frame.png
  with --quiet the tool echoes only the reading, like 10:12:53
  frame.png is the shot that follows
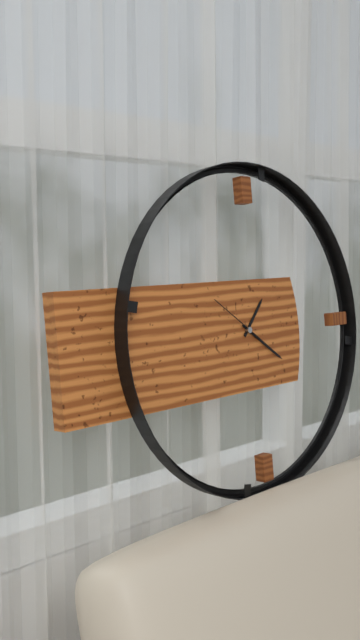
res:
1:21:51
